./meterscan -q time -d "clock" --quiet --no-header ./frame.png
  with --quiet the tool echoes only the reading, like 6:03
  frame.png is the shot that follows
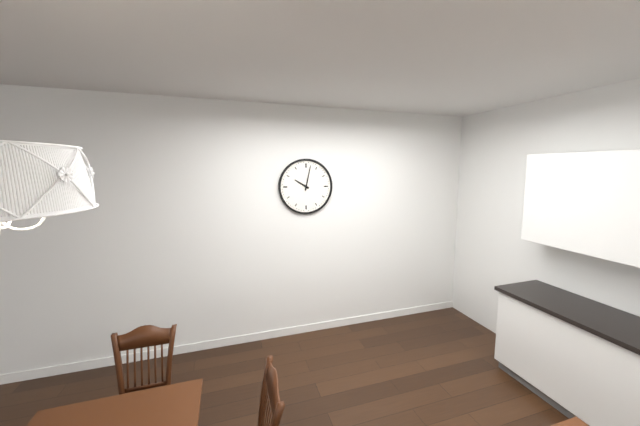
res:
10:02
